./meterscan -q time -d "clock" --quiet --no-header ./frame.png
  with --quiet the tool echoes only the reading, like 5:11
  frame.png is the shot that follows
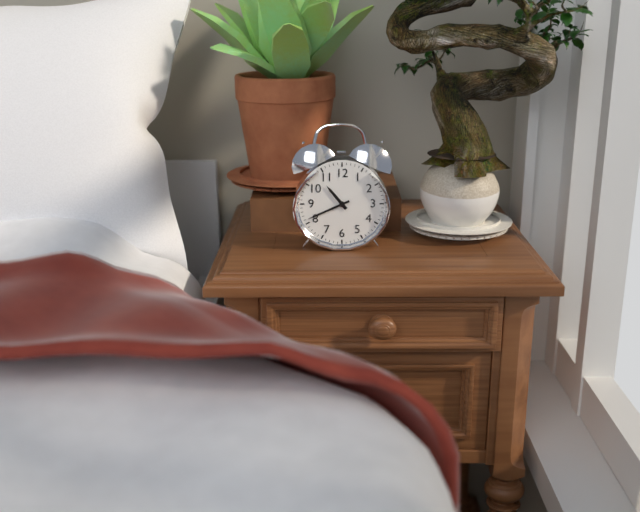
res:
10:41
